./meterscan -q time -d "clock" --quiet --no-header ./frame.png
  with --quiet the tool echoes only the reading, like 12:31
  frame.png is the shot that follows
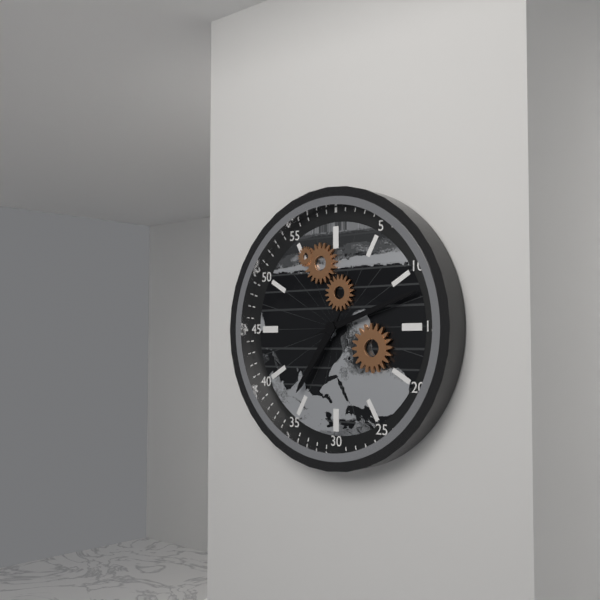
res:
7:12
